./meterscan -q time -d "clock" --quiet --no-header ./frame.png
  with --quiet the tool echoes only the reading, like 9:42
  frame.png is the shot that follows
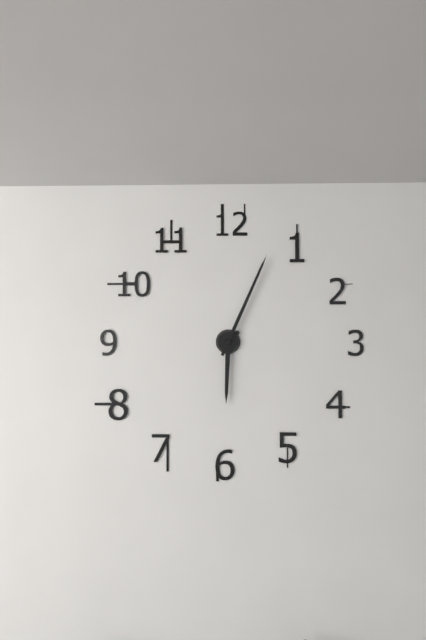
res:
6:04
